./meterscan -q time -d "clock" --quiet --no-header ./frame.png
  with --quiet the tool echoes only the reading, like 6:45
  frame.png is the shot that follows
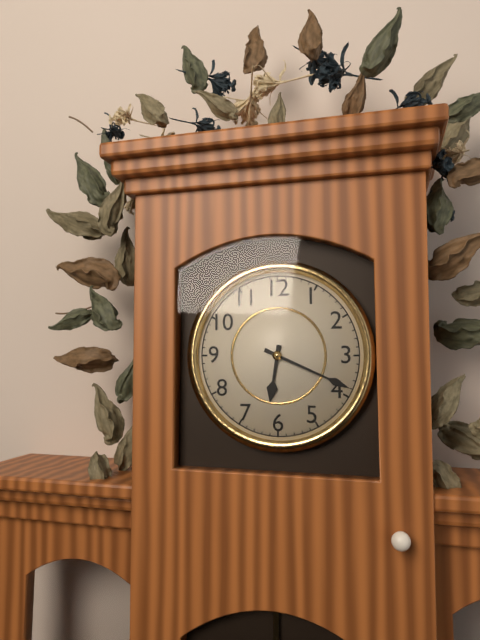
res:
6:19
